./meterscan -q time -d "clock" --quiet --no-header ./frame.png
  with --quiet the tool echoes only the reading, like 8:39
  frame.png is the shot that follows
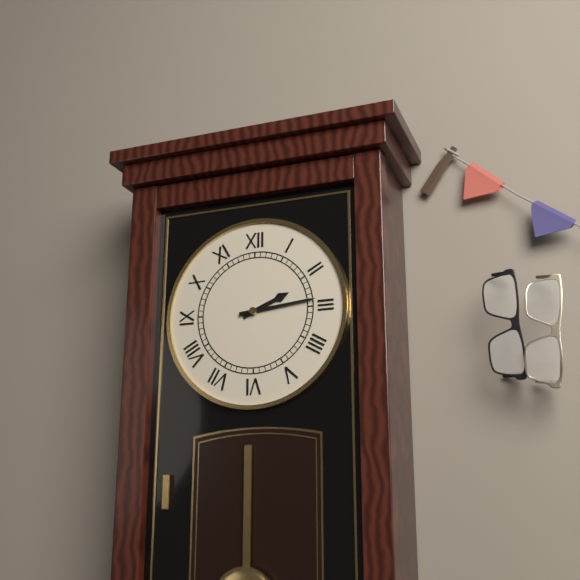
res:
2:14
